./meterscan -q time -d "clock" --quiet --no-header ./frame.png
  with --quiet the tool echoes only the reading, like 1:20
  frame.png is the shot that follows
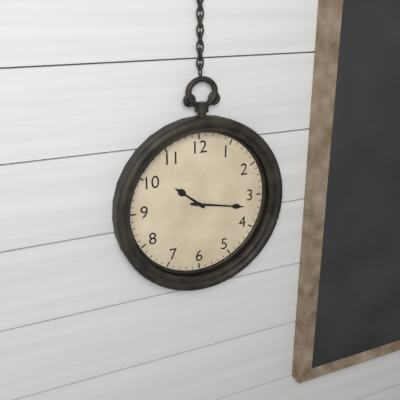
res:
10:17
